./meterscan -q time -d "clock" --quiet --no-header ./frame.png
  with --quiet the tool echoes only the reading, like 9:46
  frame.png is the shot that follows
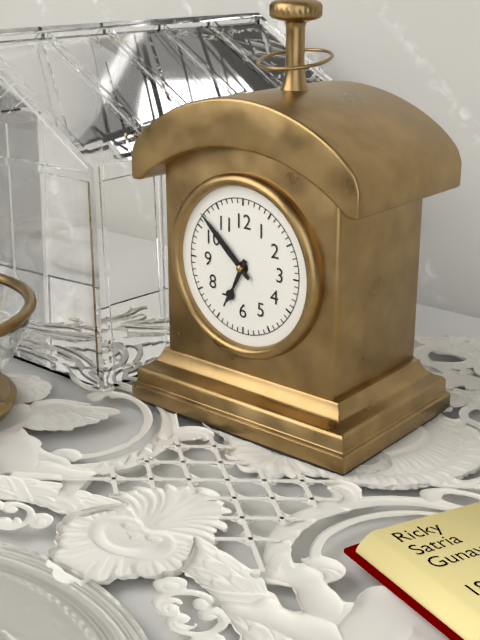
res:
6:52
